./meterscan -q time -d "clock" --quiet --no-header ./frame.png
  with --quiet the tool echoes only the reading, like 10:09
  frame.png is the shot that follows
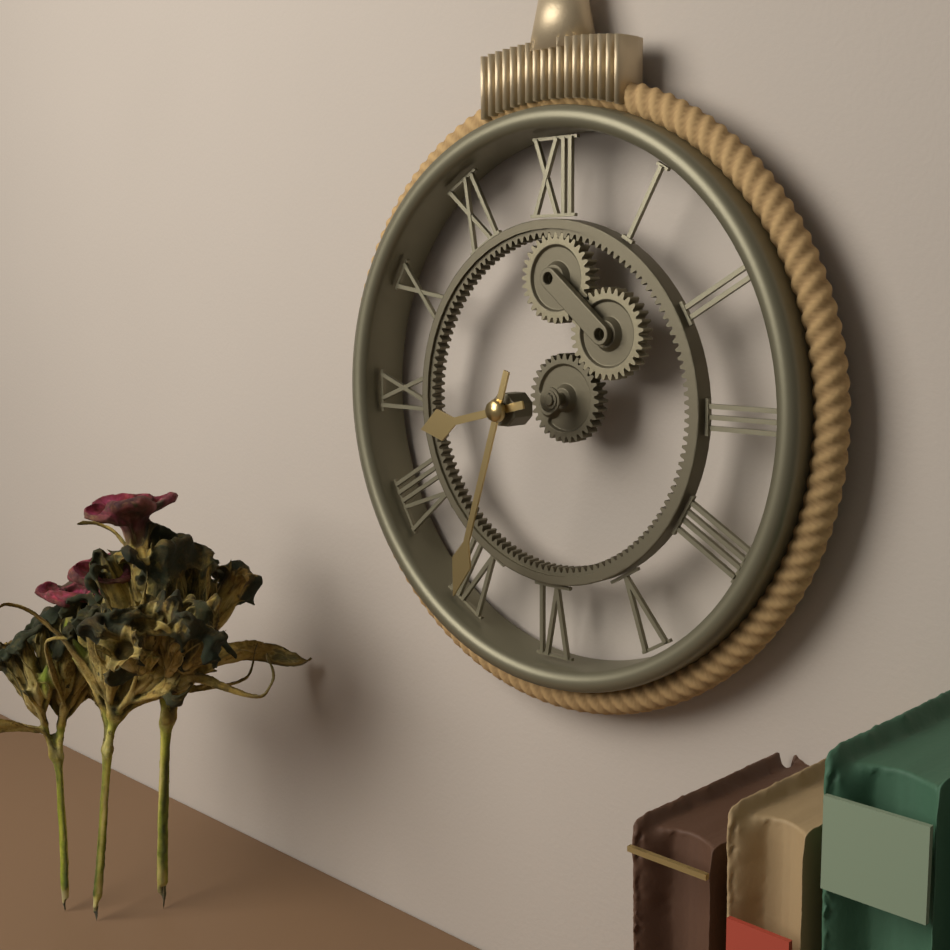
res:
8:33
